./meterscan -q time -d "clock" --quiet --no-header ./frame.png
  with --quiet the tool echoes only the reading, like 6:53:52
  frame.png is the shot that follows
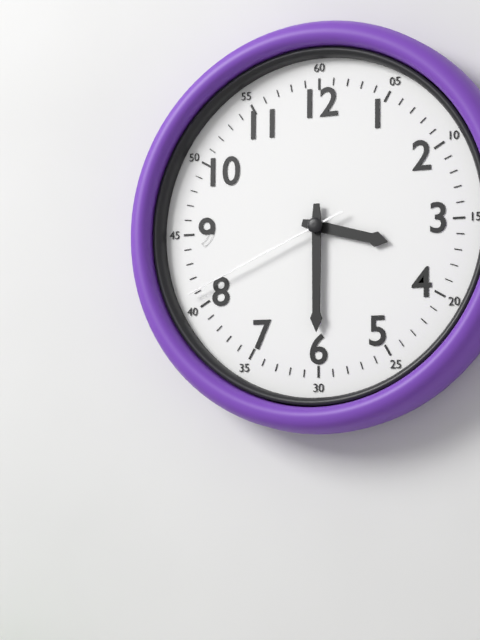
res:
3:30:41
